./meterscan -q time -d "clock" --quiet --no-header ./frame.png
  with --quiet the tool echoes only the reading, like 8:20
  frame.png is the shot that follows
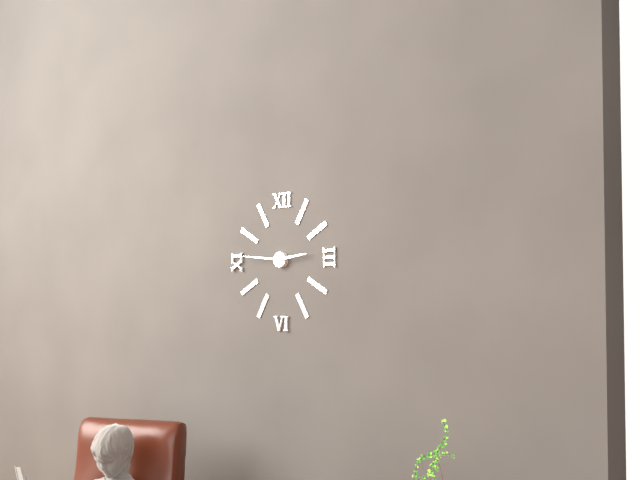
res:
2:46
